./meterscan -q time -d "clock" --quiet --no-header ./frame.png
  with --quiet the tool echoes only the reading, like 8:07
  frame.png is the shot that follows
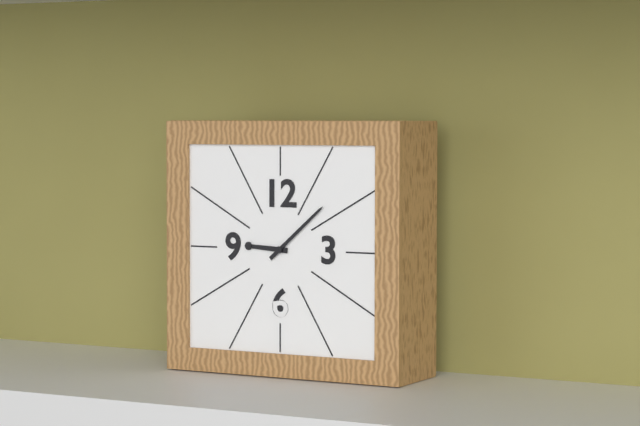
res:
9:08
